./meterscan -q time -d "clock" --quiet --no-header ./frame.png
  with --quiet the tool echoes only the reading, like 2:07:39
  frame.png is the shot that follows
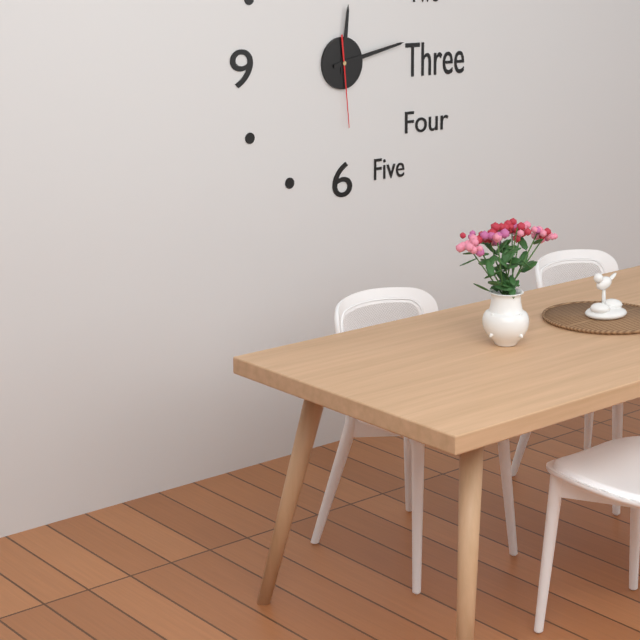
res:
12:13:29
